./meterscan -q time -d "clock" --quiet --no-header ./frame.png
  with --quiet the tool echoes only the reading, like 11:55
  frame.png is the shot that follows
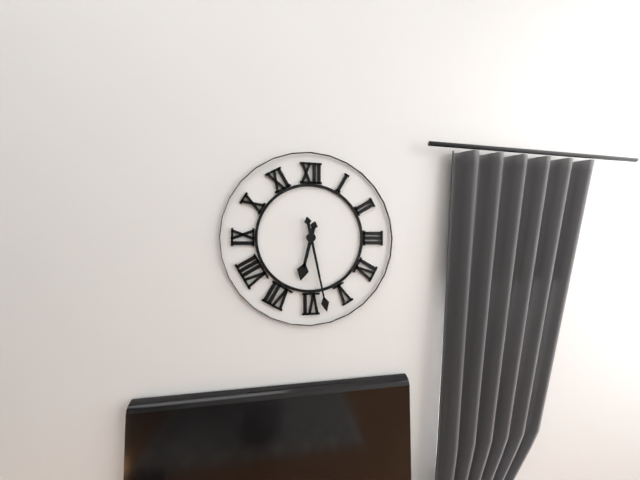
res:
6:28
